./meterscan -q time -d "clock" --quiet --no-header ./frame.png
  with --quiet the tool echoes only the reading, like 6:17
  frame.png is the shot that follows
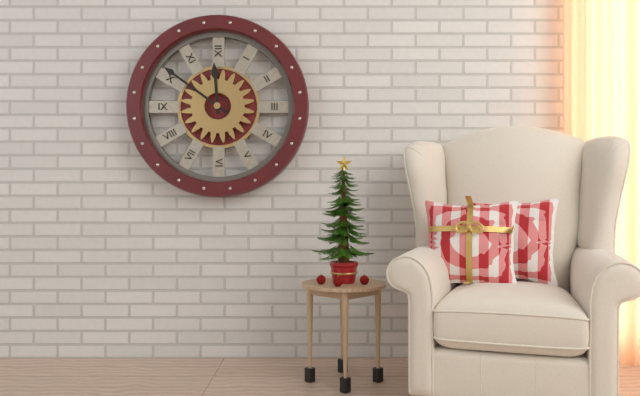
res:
11:51
